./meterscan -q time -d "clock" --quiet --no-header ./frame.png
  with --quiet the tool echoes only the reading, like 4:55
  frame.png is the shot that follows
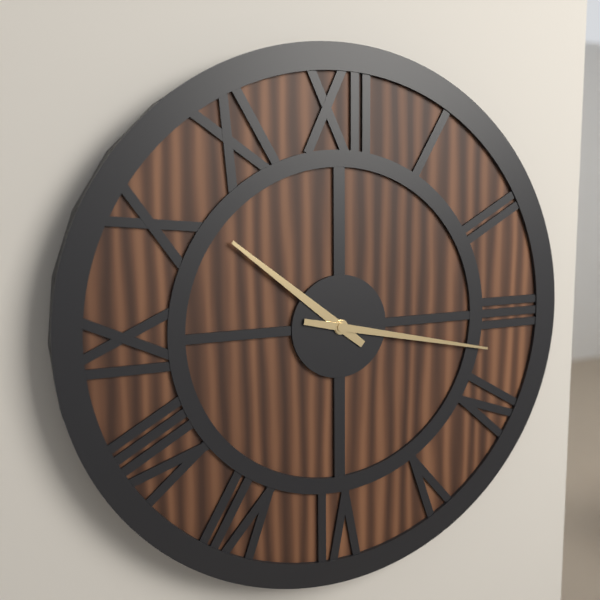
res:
10:17
